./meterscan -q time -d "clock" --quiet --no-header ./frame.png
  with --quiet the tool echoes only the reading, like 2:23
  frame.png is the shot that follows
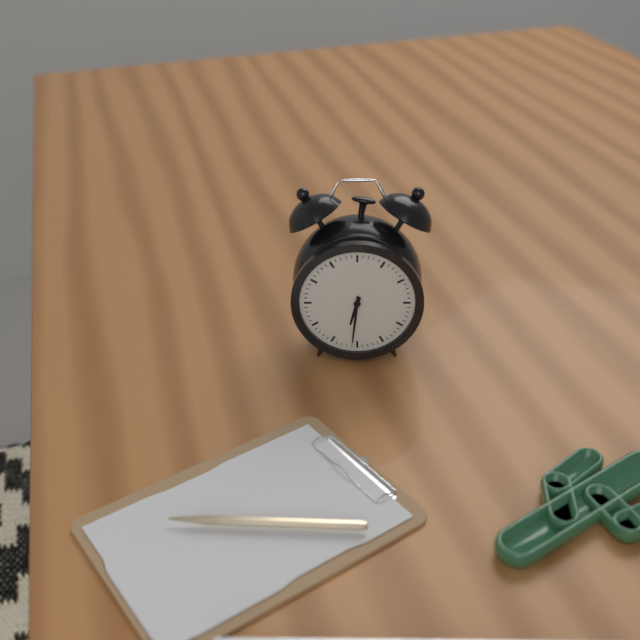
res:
6:31
